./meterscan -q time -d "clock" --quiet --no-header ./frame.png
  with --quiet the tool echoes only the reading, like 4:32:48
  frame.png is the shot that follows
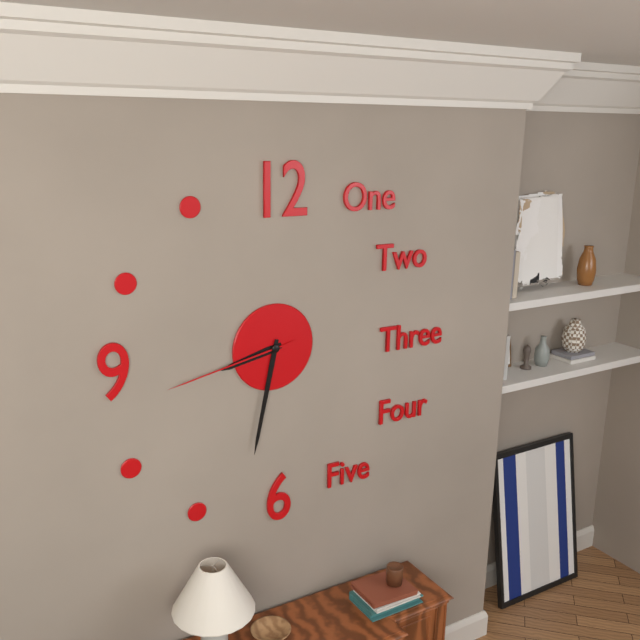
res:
8:32:43
